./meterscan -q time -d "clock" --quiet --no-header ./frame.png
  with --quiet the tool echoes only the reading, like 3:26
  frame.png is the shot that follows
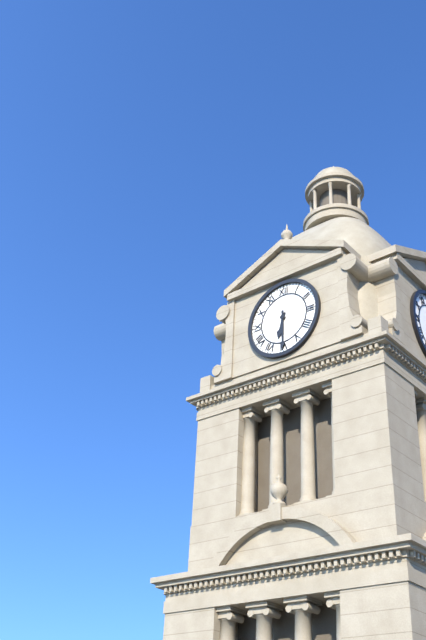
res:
6:30
